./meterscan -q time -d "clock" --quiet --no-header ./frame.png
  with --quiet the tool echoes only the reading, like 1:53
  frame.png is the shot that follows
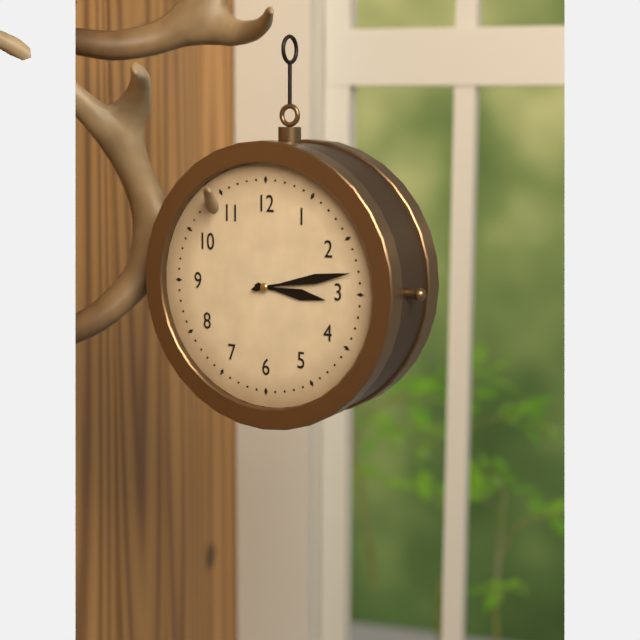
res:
3:13
